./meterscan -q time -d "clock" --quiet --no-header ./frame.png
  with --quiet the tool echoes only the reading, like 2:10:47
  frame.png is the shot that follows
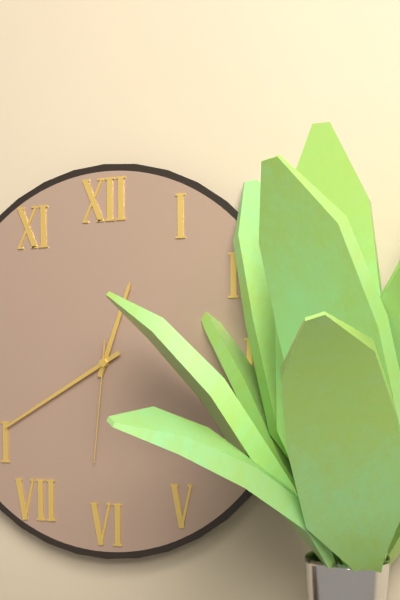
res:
12:40:31
